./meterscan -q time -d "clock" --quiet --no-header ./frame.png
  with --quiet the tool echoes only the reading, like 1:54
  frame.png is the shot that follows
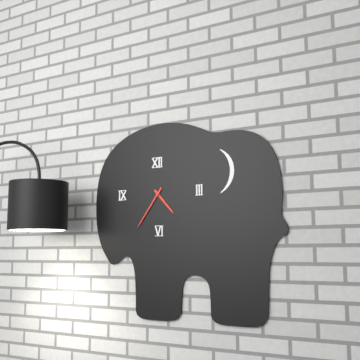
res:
4:36
